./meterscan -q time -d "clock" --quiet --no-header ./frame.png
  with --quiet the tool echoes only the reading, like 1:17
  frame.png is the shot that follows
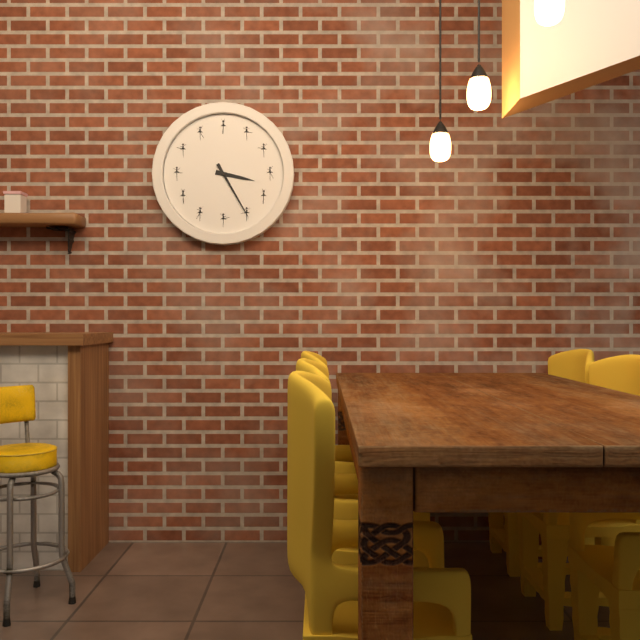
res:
3:25
